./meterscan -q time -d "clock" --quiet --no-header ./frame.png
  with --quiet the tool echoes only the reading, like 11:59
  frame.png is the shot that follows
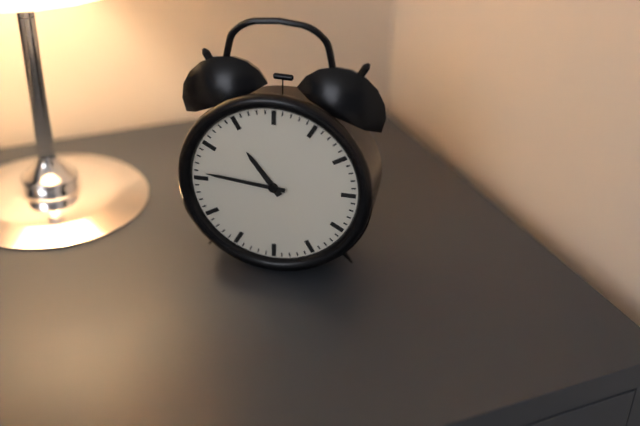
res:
10:46
